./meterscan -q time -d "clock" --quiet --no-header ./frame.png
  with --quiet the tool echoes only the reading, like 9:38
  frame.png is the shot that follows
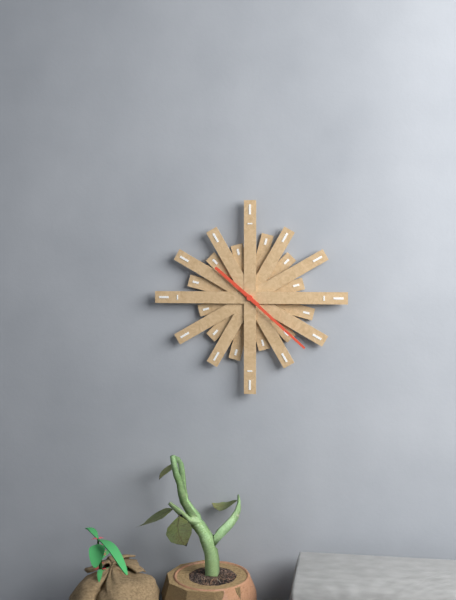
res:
10:22
